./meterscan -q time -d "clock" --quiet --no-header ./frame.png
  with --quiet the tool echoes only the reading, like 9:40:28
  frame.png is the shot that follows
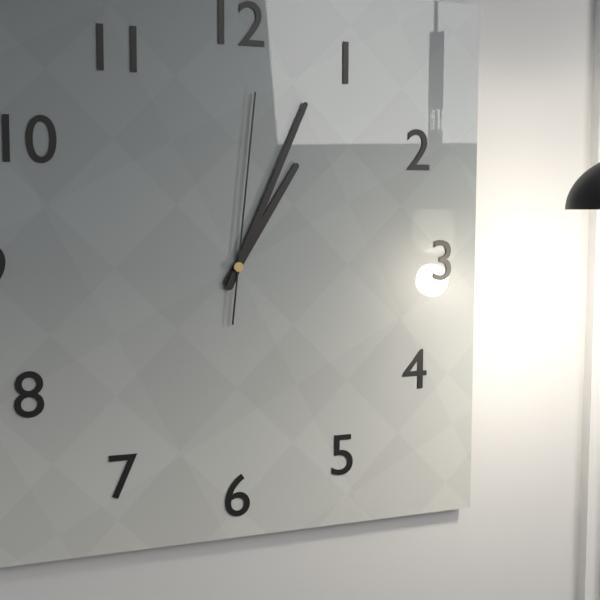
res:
1:04:01
